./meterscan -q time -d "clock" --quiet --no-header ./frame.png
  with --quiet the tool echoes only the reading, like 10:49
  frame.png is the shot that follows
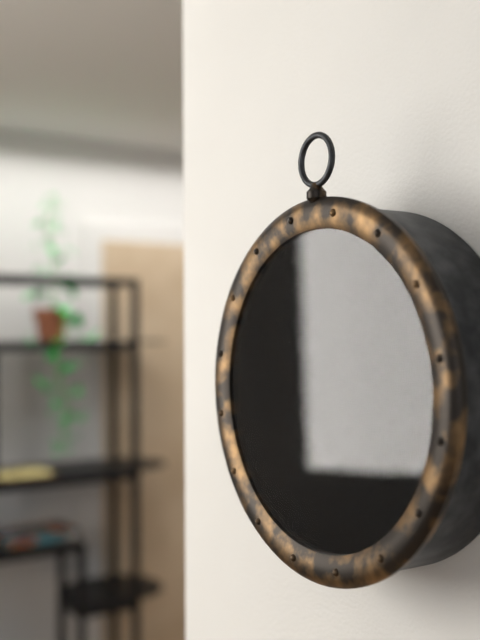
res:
1:21
